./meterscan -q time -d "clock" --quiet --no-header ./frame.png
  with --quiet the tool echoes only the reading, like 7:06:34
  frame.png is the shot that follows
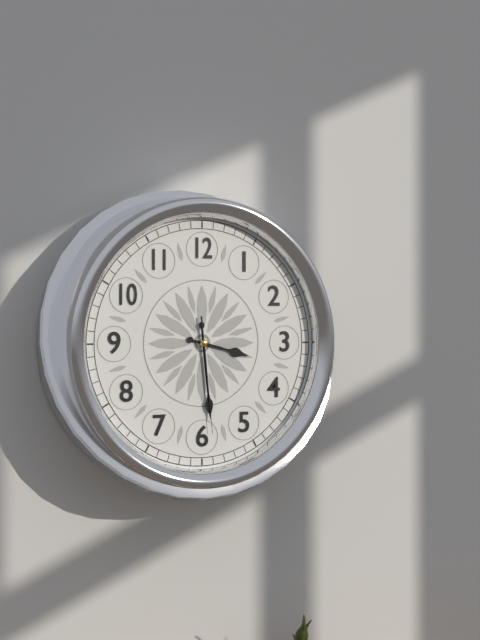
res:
3:29:29
